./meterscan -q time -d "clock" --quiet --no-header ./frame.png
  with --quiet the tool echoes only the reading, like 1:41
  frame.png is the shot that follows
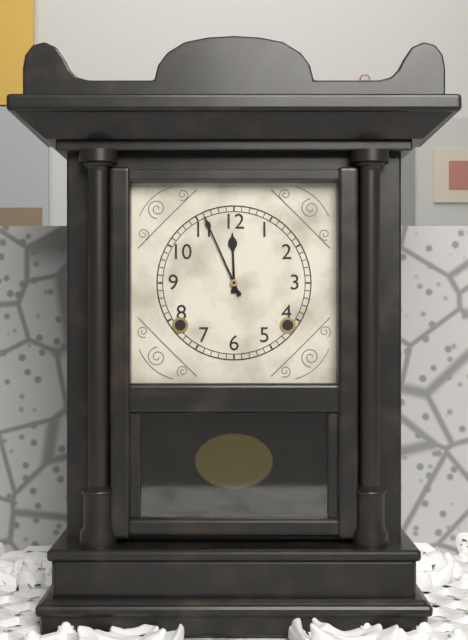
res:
11:56
